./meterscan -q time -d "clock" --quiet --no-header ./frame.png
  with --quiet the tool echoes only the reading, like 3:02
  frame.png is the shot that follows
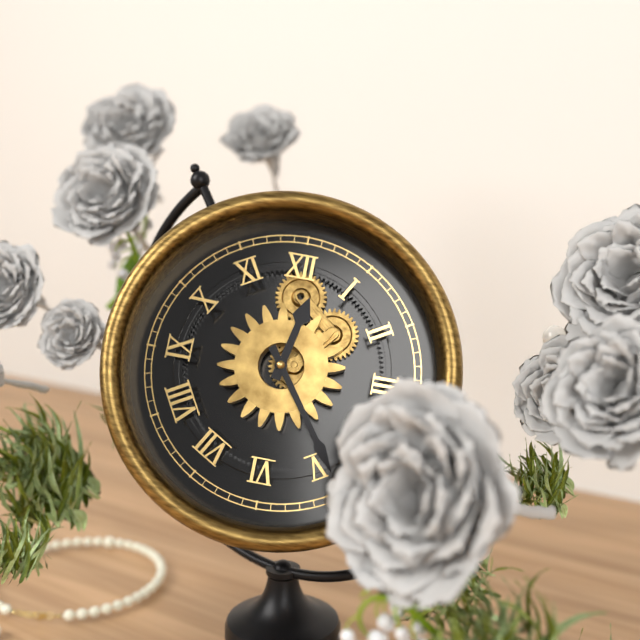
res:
12:24
